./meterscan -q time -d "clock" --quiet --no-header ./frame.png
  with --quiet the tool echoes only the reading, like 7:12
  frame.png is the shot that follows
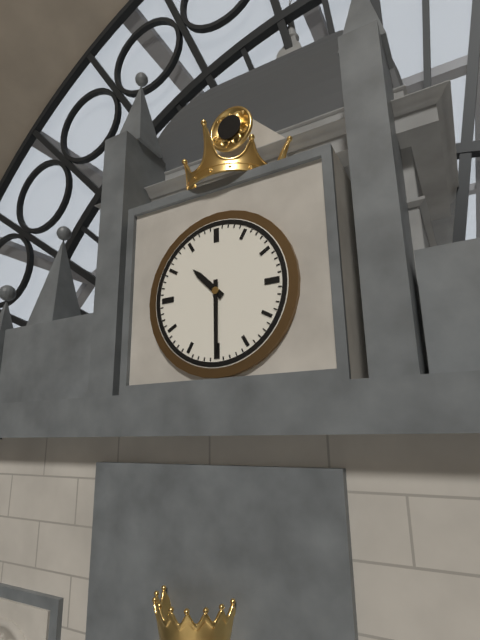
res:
10:30
